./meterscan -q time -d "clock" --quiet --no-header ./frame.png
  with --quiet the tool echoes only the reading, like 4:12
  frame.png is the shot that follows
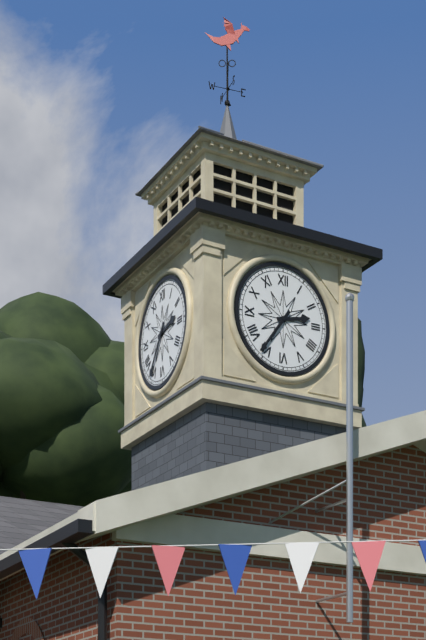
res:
2:36
